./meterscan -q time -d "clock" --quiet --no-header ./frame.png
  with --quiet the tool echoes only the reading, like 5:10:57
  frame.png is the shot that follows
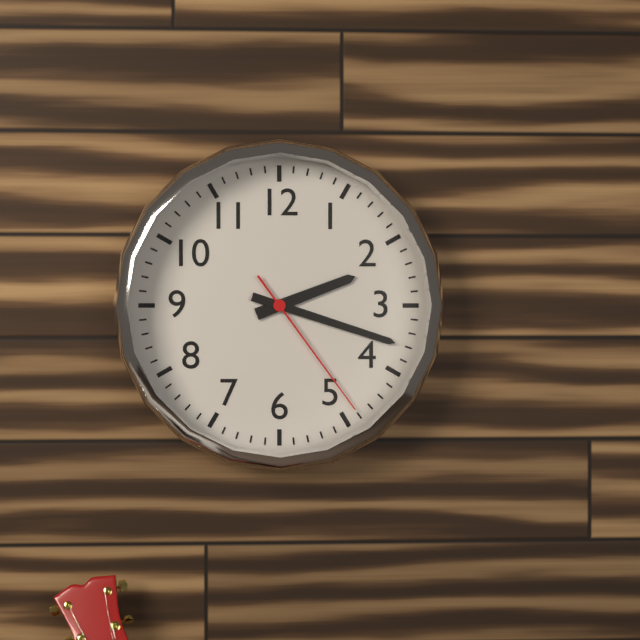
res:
2:18:24
